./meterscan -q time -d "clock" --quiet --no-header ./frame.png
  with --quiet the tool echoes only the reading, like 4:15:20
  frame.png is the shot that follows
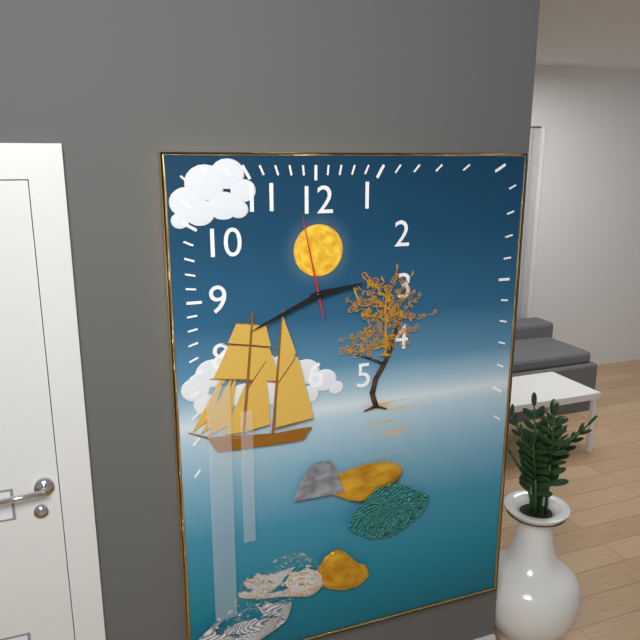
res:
2:41:58
